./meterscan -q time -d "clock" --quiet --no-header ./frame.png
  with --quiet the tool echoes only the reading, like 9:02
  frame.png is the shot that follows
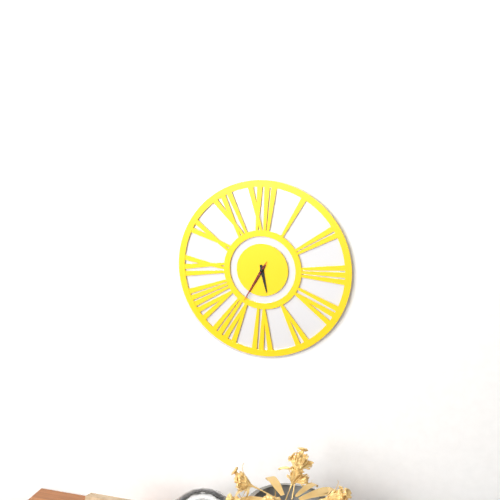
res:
5:35
